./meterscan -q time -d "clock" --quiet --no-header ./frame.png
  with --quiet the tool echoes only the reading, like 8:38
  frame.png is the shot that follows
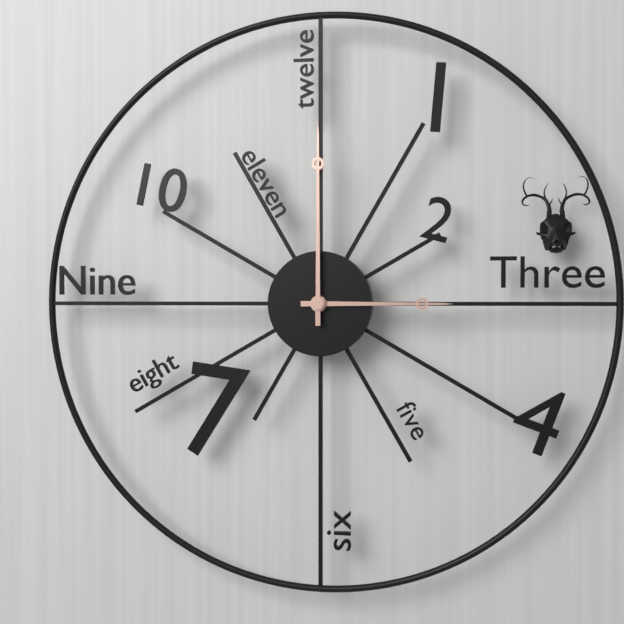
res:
3:00
